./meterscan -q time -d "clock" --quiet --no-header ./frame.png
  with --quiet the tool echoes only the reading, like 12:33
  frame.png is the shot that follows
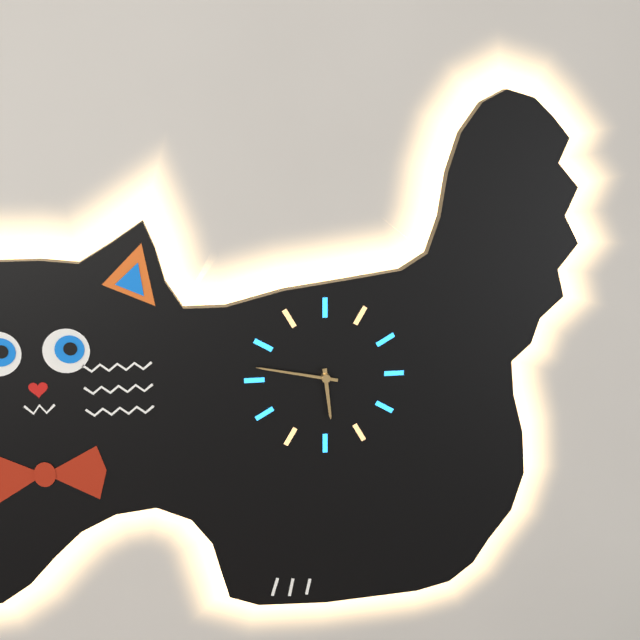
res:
5:47
